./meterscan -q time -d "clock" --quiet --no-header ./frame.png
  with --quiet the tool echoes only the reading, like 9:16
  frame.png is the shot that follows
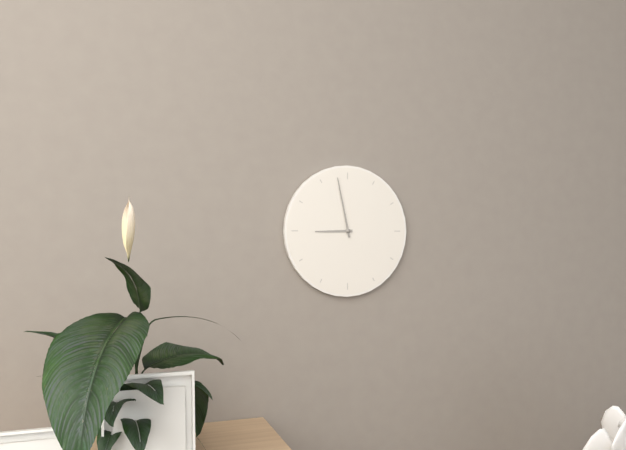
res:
8:58
